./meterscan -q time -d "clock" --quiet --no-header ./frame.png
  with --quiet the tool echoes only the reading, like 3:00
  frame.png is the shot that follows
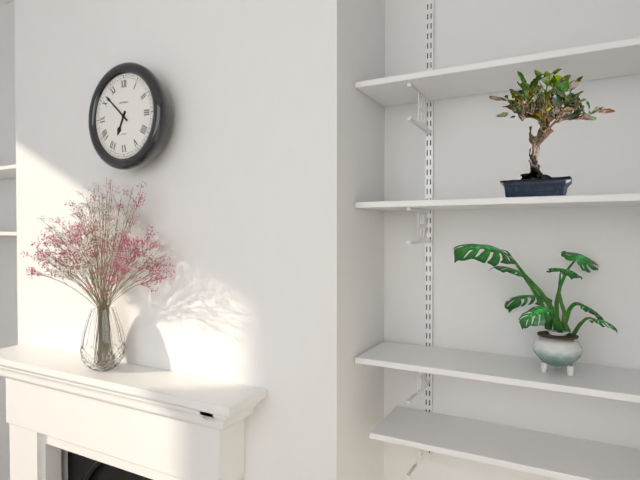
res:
6:52
